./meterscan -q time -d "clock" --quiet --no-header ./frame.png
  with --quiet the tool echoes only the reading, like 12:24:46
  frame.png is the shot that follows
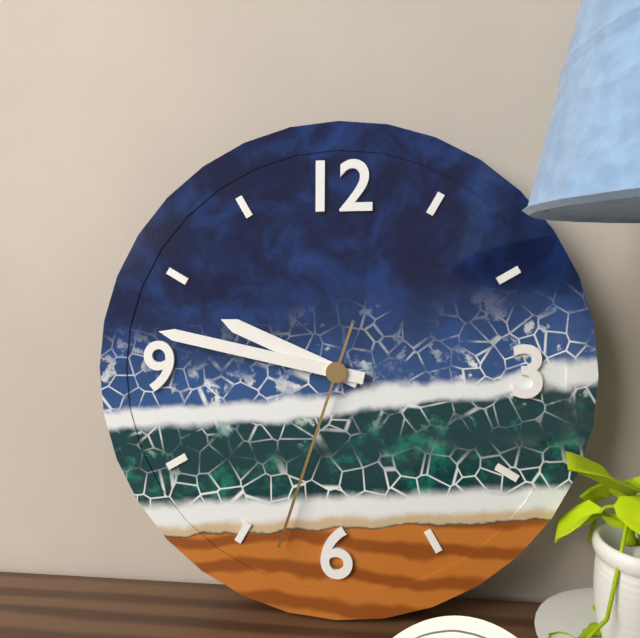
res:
9:47:33
